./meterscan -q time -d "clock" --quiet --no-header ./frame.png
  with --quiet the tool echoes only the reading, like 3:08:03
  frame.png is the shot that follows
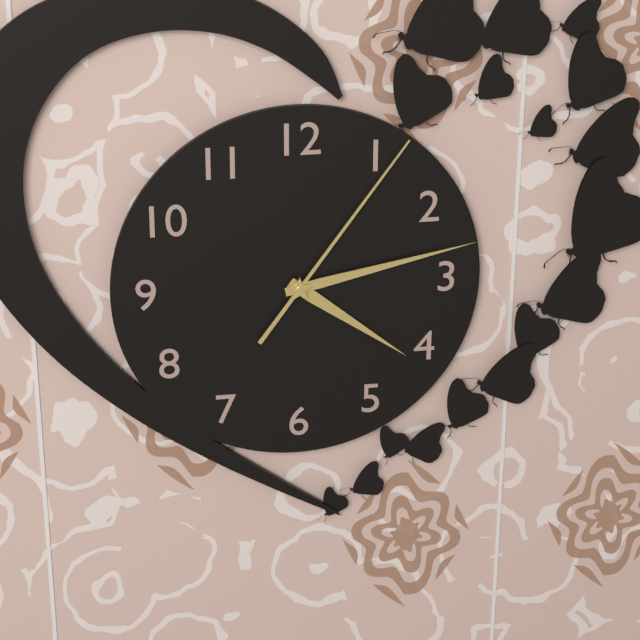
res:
4:13:06
